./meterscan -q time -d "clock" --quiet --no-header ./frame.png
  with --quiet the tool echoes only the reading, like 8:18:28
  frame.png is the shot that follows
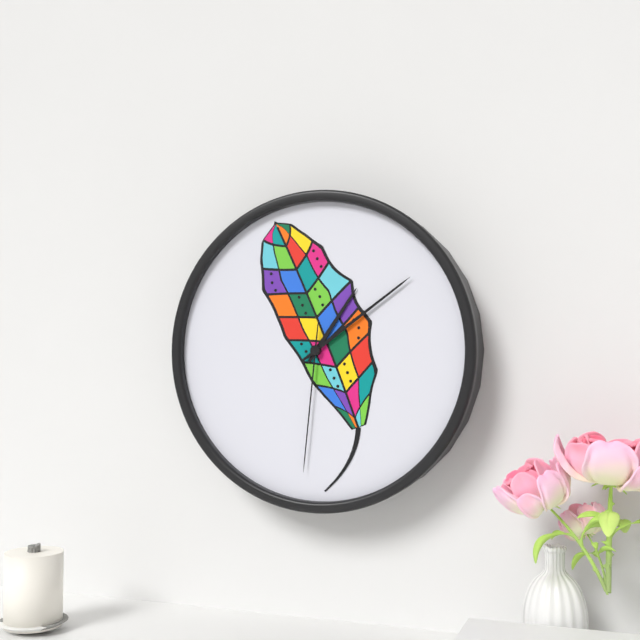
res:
1:09:31
